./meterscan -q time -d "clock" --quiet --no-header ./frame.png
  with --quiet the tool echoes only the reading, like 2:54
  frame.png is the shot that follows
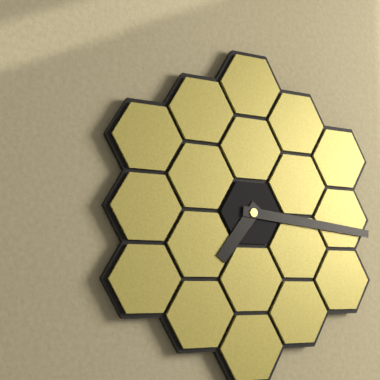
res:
7:16
